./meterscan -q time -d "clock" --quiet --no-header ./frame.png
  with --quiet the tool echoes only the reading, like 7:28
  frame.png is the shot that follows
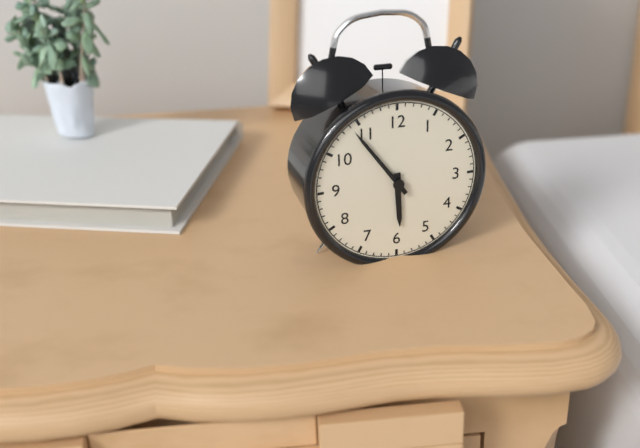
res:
5:54
